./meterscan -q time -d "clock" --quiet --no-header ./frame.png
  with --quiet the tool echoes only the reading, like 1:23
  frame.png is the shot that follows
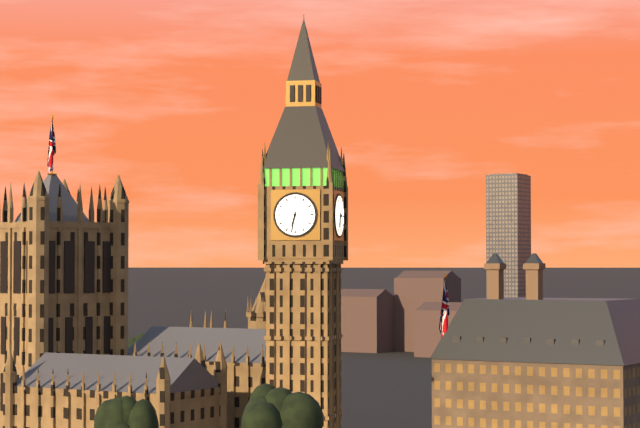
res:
6:32
